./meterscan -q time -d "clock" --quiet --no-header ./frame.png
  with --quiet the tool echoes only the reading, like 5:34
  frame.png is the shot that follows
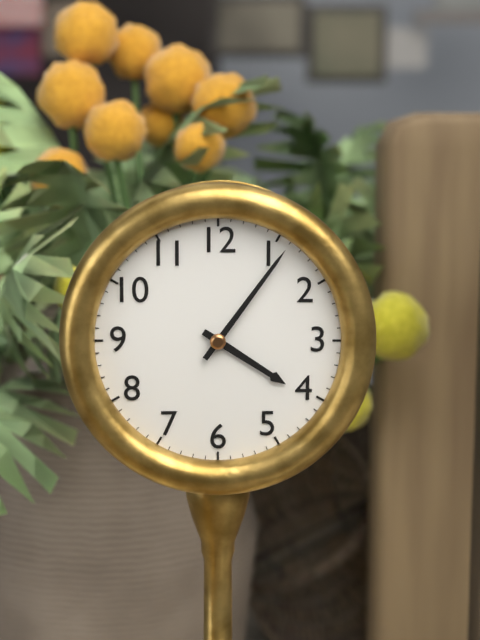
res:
4:06
